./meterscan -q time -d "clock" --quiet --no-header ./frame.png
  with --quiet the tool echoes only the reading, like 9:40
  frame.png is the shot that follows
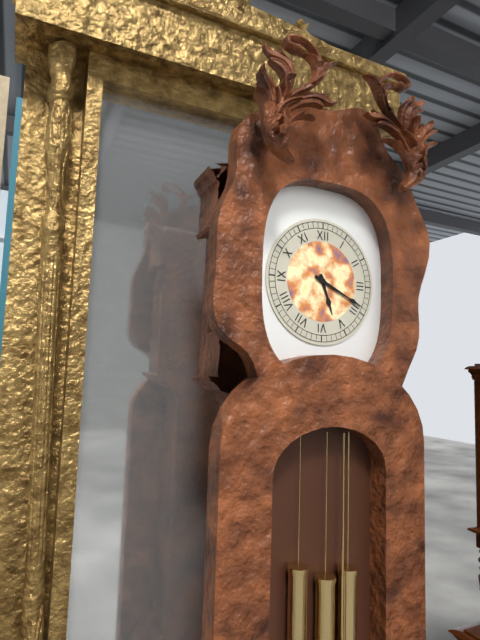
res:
5:19
